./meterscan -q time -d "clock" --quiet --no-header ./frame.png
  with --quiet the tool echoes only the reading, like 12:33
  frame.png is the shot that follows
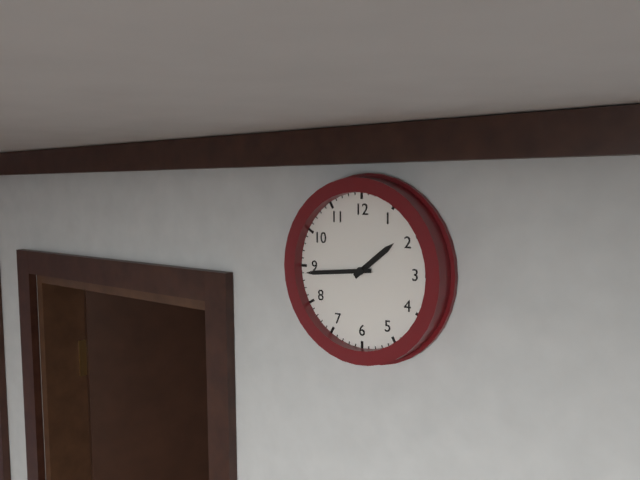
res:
1:44
